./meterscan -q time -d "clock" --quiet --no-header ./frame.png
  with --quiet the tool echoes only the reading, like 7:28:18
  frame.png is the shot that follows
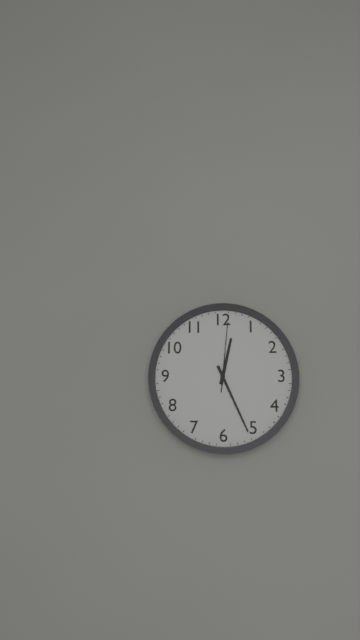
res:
12:26:01
